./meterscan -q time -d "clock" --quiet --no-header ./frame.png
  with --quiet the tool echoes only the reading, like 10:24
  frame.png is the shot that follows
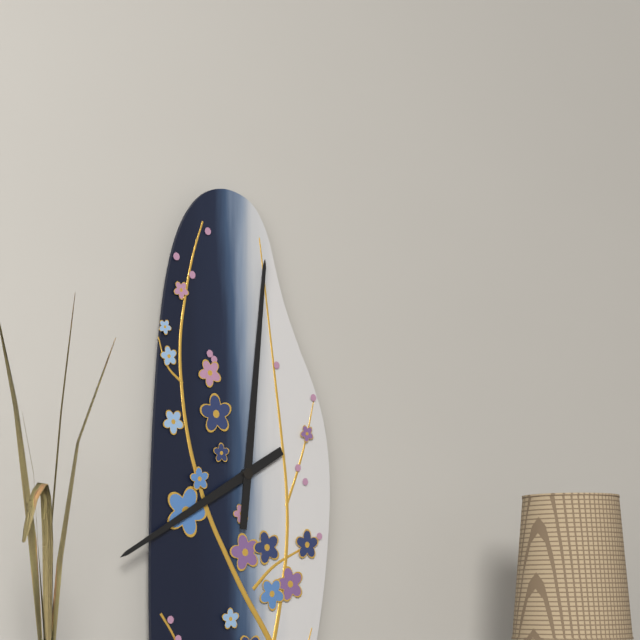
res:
8:01
